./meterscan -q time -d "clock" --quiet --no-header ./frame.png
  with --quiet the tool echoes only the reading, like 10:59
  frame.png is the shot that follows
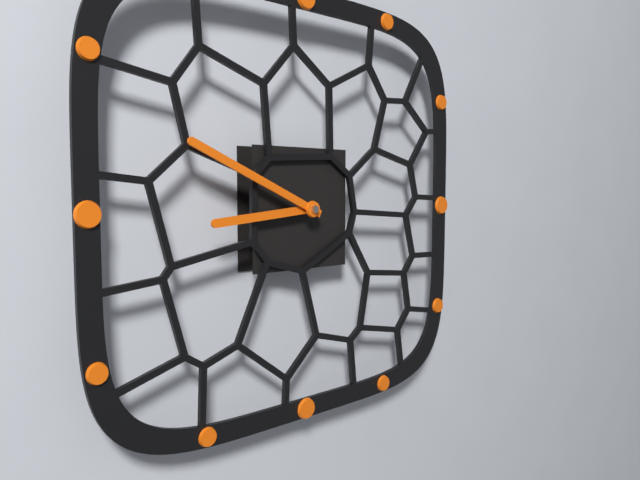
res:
8:49
